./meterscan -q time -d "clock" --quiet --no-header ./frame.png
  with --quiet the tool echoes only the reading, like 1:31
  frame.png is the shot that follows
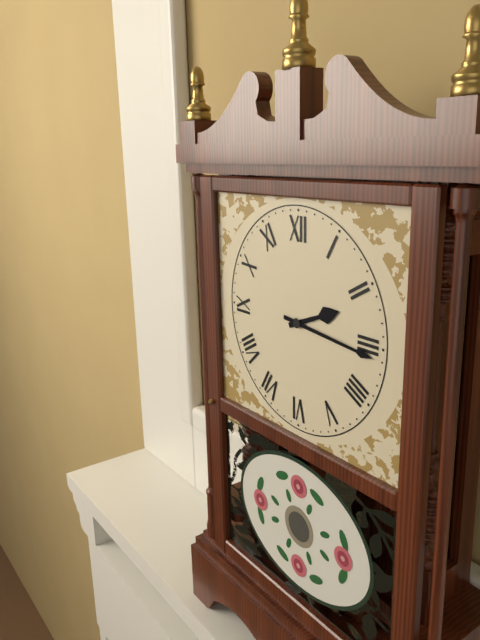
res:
2:16
